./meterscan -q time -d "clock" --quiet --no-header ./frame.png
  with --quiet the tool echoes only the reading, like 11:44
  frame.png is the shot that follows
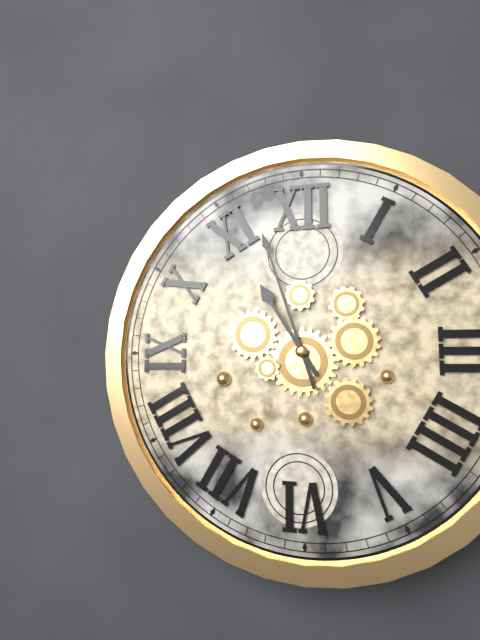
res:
10:57
